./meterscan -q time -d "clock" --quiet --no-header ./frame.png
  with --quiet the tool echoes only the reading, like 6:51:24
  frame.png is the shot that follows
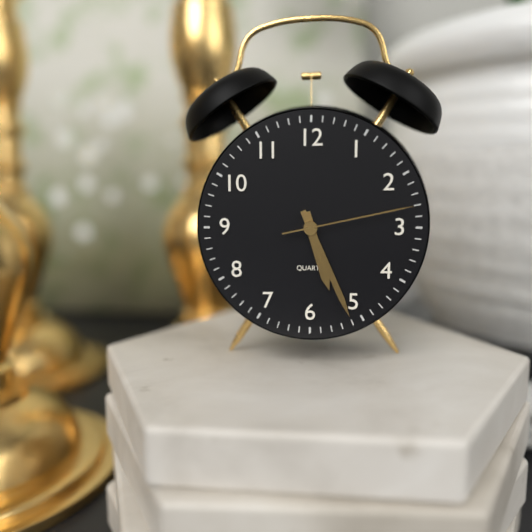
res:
5:26:13
